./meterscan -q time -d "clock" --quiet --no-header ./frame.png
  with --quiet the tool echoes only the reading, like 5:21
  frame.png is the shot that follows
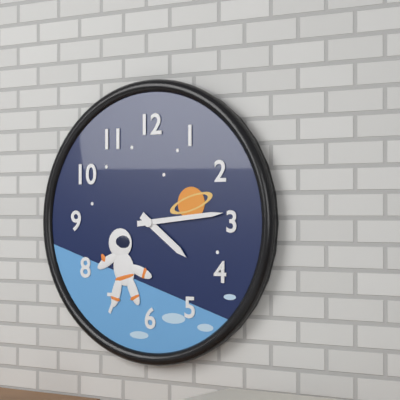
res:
4:14
